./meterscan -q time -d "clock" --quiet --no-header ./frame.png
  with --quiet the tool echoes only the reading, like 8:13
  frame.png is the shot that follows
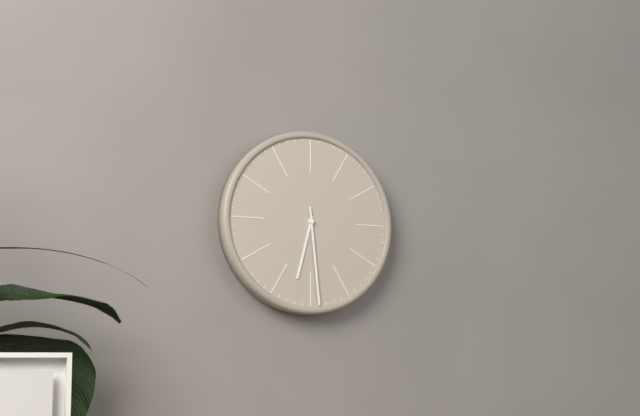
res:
6:29
